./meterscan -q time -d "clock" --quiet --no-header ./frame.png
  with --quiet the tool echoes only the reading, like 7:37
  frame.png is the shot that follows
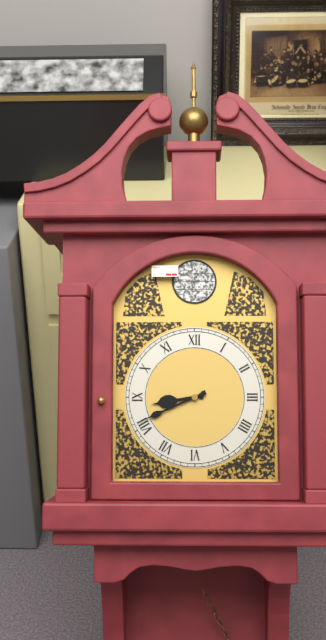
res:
8:41
